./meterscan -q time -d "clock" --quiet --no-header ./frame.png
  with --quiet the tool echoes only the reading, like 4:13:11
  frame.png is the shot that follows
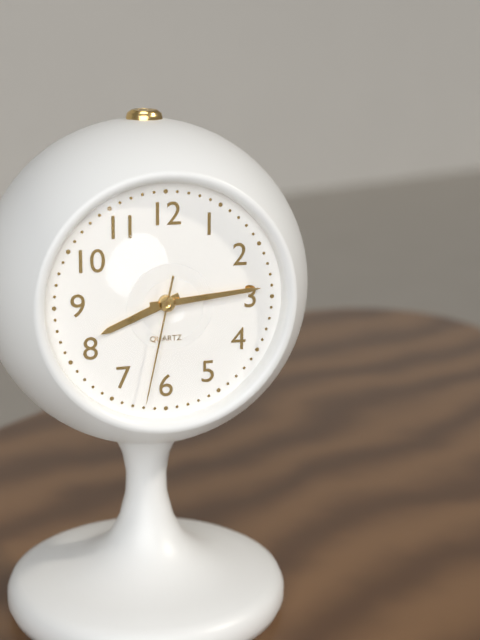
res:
8:14:32
